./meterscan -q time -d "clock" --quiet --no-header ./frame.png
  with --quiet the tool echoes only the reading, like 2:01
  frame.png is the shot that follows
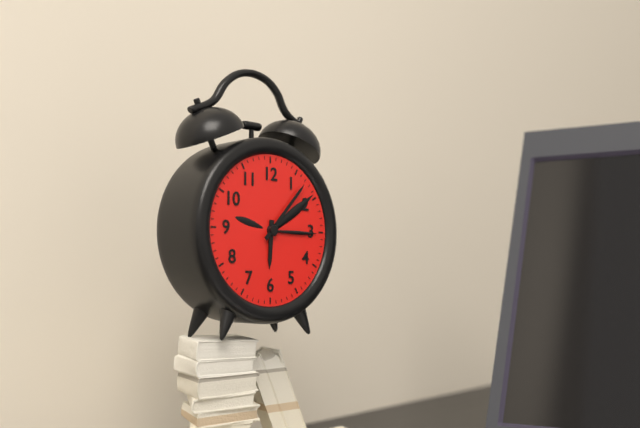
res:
6:07
